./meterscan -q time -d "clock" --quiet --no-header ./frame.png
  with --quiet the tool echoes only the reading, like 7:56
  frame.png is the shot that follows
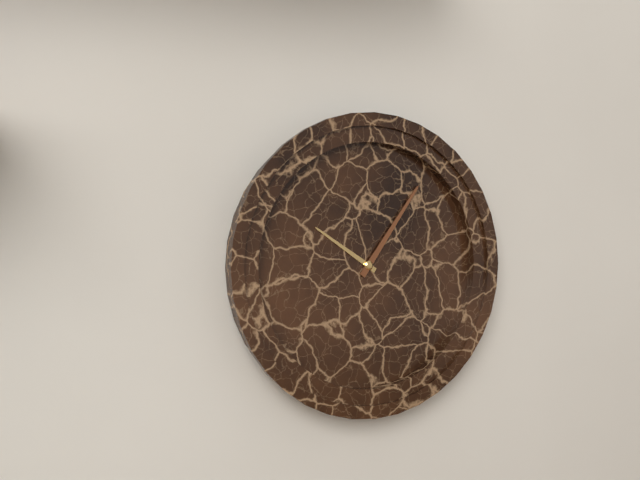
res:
10:06
